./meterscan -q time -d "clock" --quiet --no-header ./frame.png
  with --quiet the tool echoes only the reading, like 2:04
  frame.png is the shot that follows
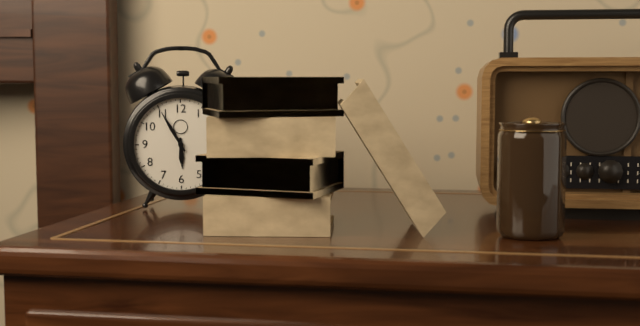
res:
5:55
